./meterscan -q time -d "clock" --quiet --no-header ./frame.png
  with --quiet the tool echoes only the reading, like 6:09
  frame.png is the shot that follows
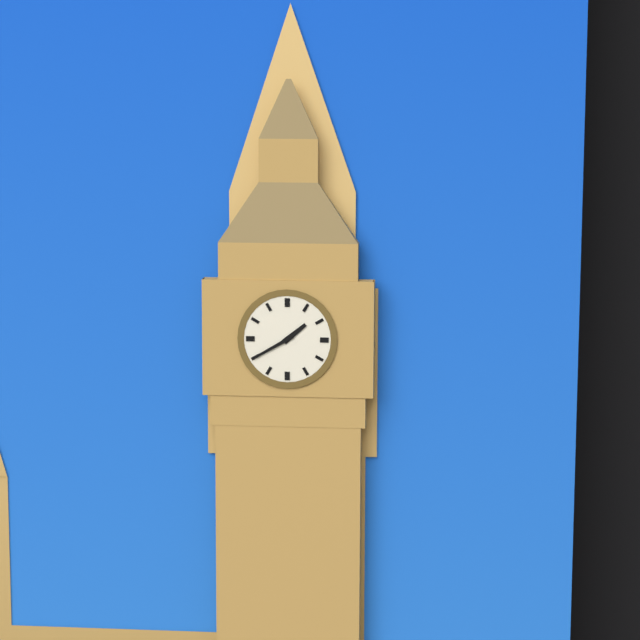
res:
1:40
